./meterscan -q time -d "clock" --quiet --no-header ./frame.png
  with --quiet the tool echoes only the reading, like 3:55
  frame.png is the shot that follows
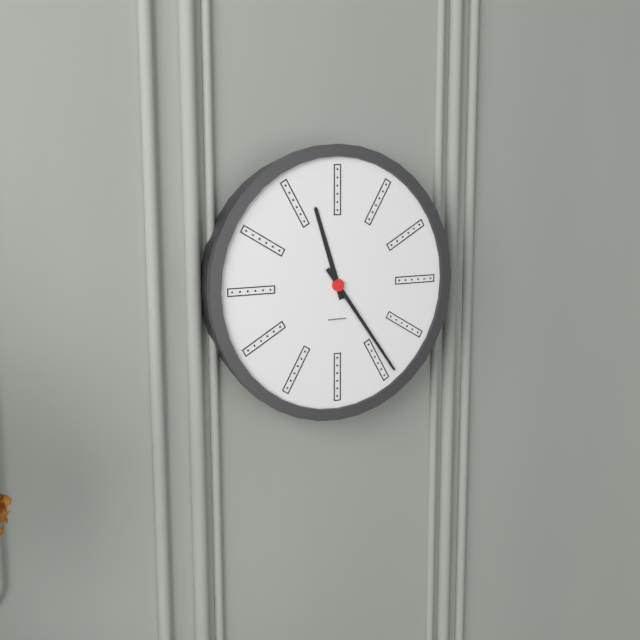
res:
11:24
